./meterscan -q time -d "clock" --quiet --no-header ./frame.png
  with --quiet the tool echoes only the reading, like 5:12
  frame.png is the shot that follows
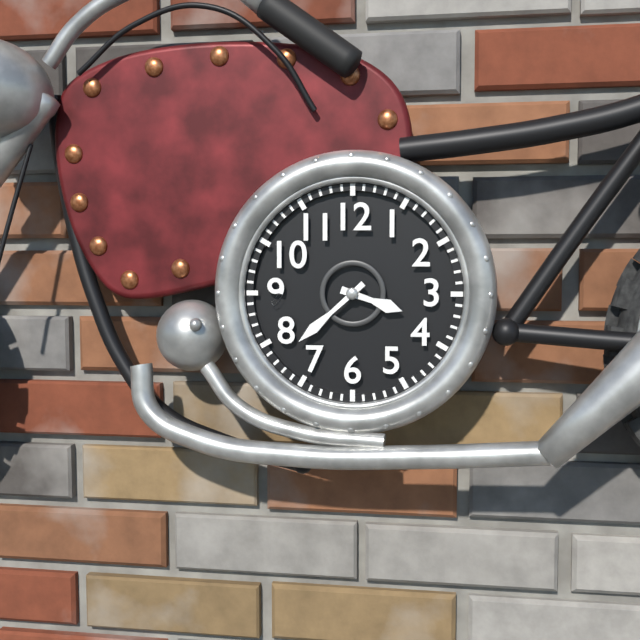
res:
3:38
